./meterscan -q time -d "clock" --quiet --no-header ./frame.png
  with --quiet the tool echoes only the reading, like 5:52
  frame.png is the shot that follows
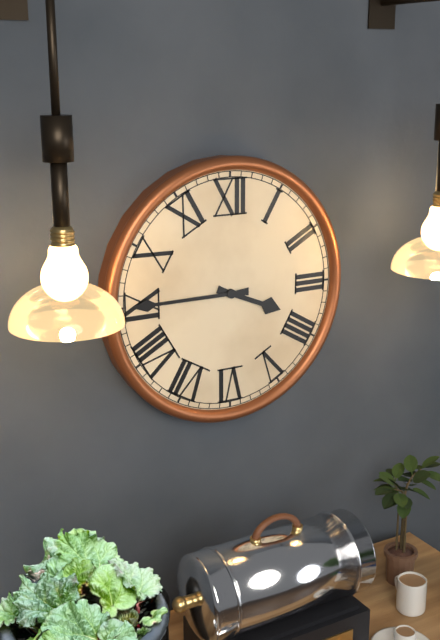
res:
3:45
